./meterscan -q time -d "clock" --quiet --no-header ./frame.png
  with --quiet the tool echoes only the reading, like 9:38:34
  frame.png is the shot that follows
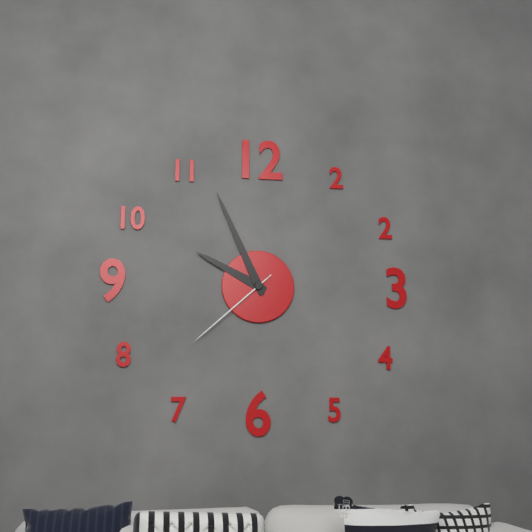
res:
9:56:38
